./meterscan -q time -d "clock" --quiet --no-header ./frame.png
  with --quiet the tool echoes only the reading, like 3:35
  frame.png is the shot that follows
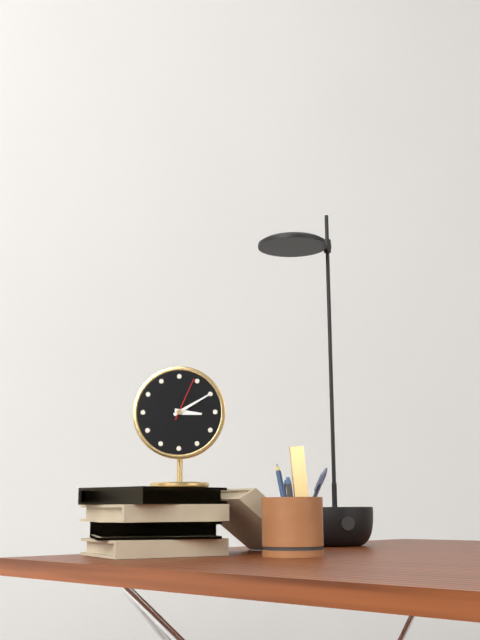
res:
3:10
